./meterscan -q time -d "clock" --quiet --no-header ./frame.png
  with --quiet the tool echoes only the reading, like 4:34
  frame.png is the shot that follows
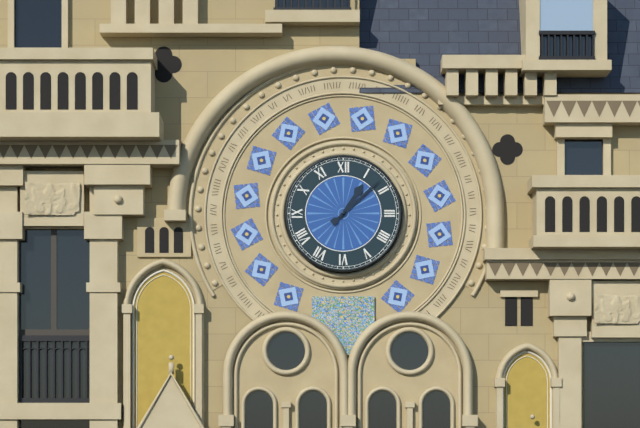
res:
1:08
